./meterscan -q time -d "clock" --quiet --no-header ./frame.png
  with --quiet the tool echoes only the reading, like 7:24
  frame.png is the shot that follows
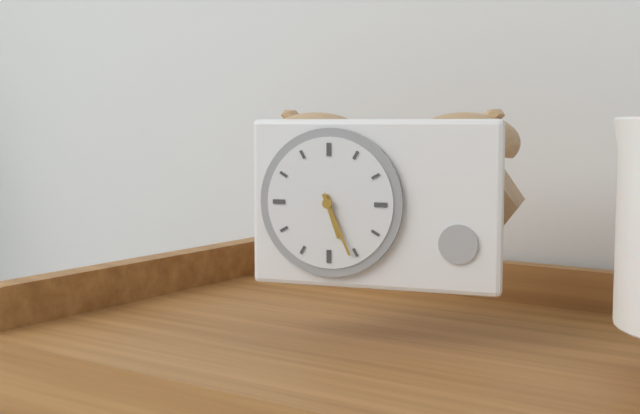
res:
5:26
